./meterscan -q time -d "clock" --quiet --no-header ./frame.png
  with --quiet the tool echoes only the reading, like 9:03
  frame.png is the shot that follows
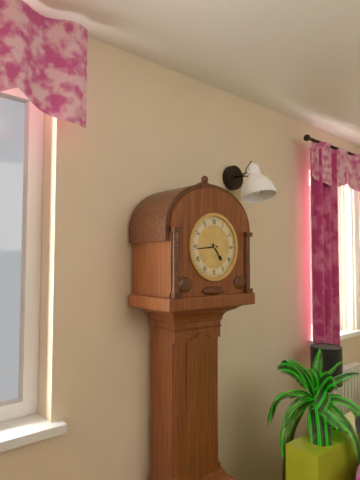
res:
4:44
